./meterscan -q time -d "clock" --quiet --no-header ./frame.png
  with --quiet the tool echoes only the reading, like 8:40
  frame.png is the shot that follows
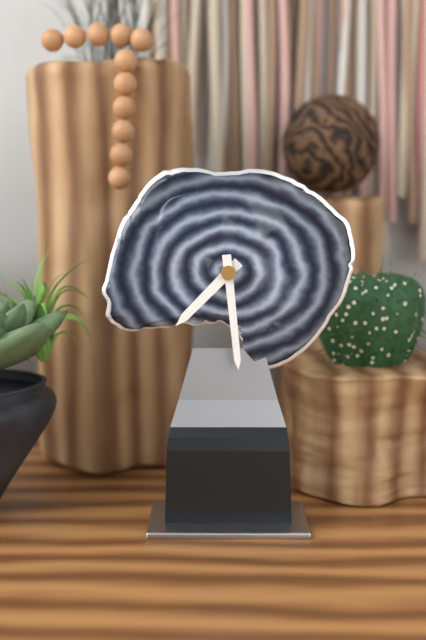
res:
7:29
